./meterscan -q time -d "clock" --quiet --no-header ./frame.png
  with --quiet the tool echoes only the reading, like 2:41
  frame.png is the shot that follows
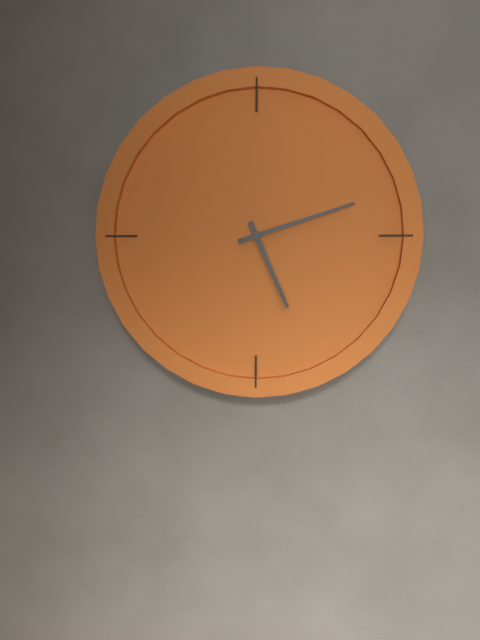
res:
5:12
